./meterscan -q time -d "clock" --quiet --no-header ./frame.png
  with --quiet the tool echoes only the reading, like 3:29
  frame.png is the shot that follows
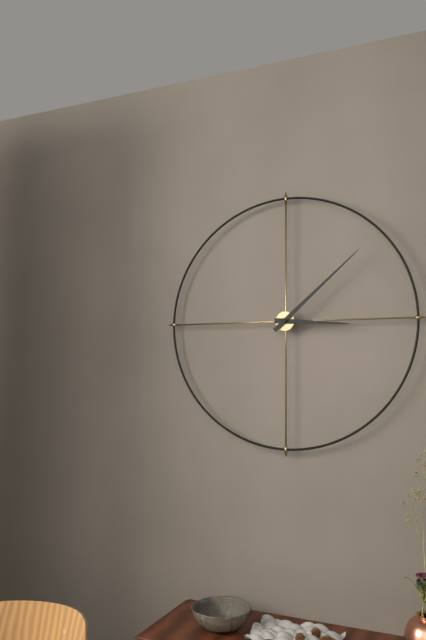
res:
3:08
